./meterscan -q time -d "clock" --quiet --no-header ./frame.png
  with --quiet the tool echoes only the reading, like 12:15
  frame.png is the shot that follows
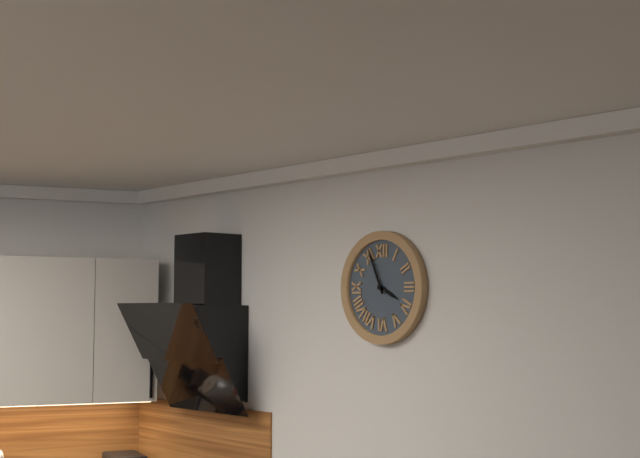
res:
3:56
